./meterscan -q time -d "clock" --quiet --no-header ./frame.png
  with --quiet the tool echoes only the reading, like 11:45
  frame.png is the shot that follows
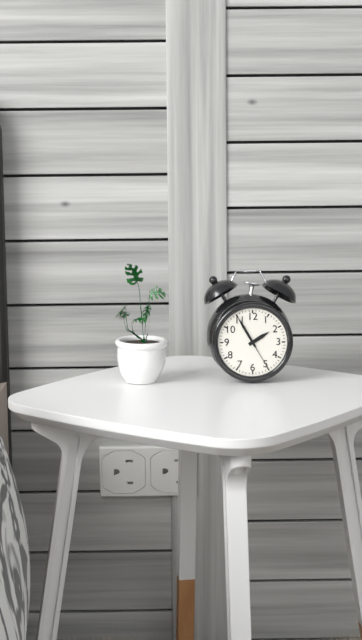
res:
1:55
